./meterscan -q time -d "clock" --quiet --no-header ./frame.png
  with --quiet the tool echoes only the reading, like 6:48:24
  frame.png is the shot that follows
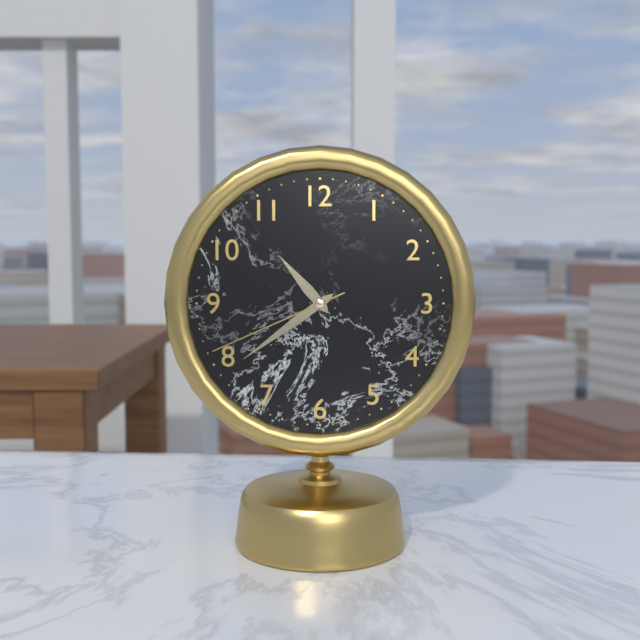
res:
10:39:41
